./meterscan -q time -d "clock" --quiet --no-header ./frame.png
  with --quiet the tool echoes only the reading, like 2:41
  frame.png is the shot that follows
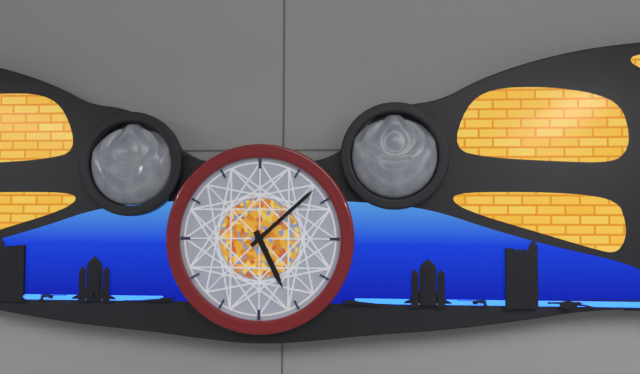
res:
5:08
